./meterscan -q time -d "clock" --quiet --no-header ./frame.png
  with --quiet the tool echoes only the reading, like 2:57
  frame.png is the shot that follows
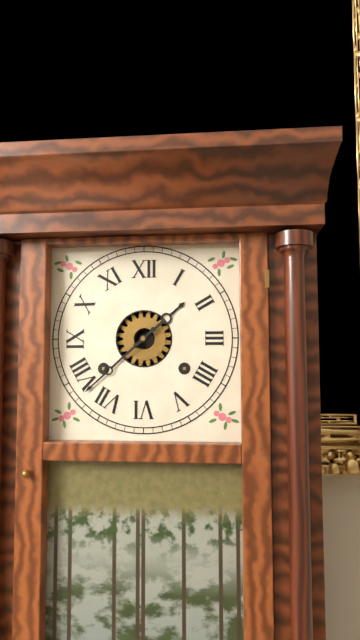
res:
1:38
